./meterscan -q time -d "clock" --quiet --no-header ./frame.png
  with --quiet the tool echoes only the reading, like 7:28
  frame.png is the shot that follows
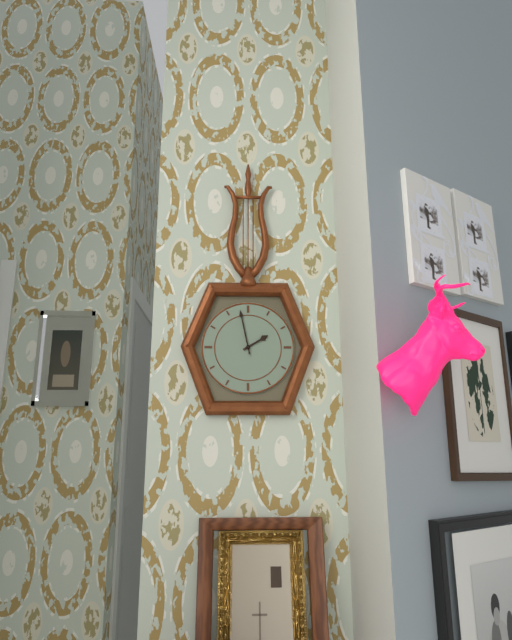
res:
1:58
